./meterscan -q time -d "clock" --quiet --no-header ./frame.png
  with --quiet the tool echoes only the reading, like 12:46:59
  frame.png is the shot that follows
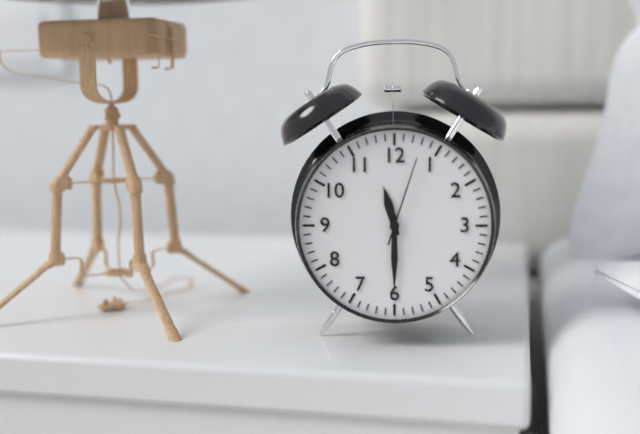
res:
11:30:03
